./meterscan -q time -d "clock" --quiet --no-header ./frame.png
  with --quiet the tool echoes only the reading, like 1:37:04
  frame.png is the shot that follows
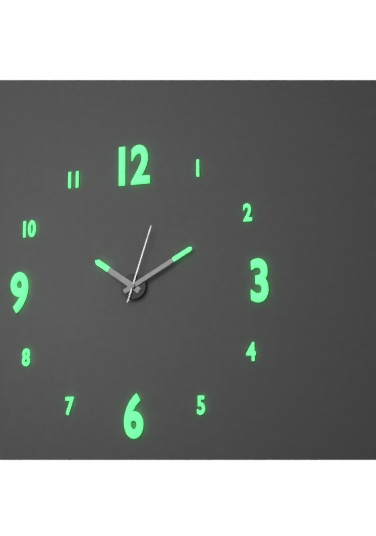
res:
10:10:03
